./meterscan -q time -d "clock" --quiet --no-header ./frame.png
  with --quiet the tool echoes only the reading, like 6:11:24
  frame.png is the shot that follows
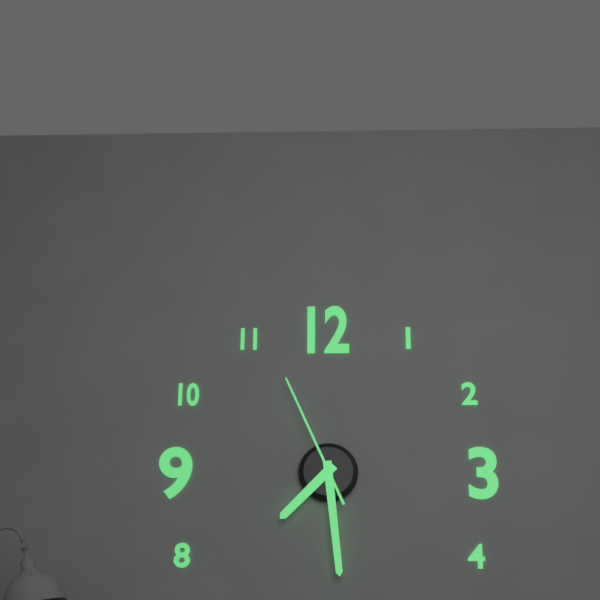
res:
7:29:56
